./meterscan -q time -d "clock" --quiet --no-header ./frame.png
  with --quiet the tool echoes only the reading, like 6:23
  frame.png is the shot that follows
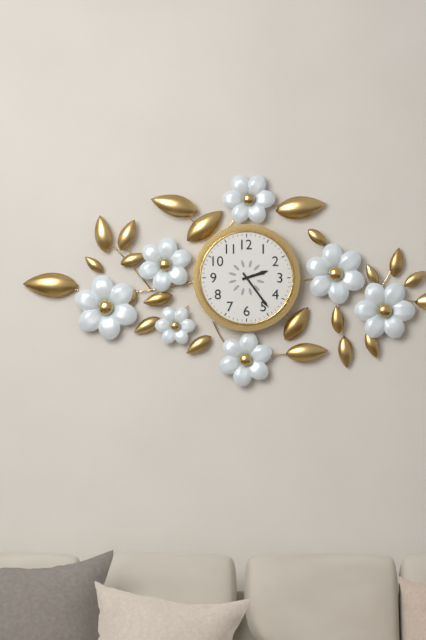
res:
2:24
